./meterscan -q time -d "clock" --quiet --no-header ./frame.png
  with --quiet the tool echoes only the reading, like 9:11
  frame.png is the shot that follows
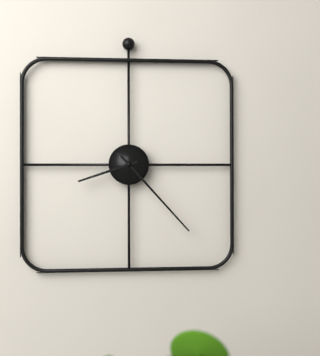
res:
8:23
